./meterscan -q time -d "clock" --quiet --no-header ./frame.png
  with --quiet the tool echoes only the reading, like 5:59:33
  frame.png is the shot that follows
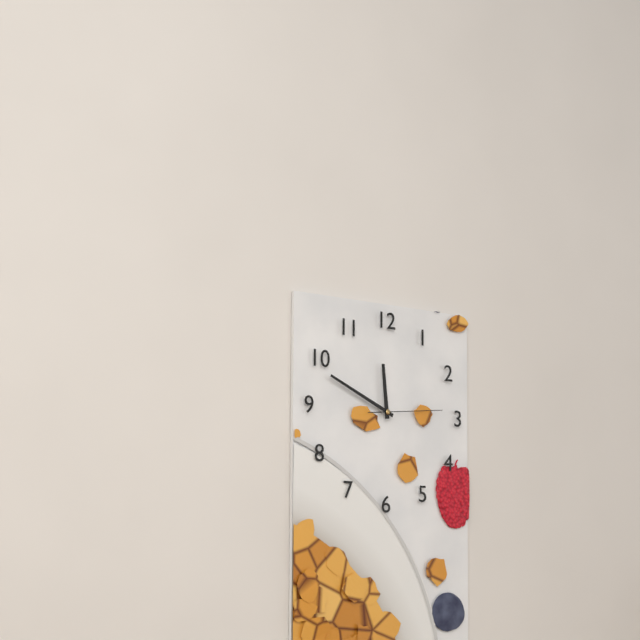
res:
11:49:14
